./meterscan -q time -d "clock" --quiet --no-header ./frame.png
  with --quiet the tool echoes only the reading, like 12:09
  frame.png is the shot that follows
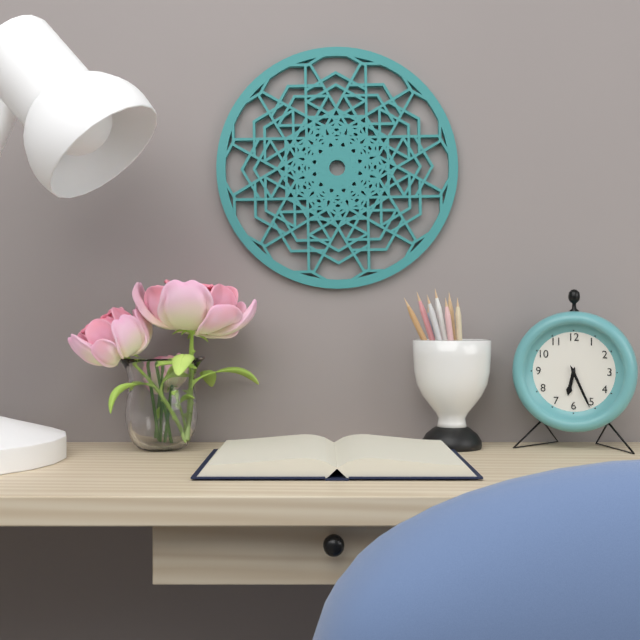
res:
6:26
